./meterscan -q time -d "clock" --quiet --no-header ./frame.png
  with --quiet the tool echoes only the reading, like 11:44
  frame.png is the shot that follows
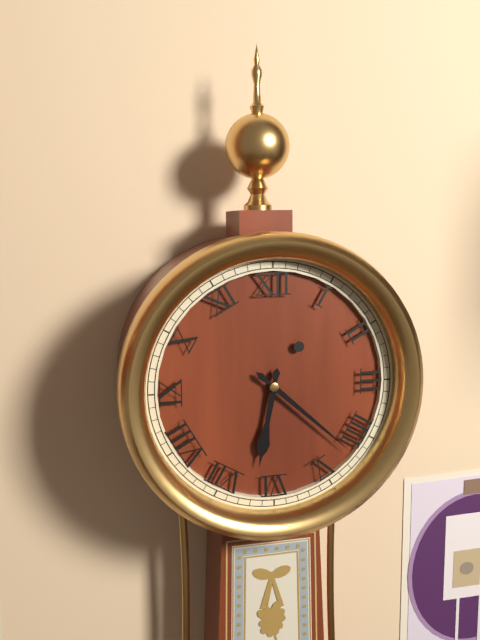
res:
6:22
